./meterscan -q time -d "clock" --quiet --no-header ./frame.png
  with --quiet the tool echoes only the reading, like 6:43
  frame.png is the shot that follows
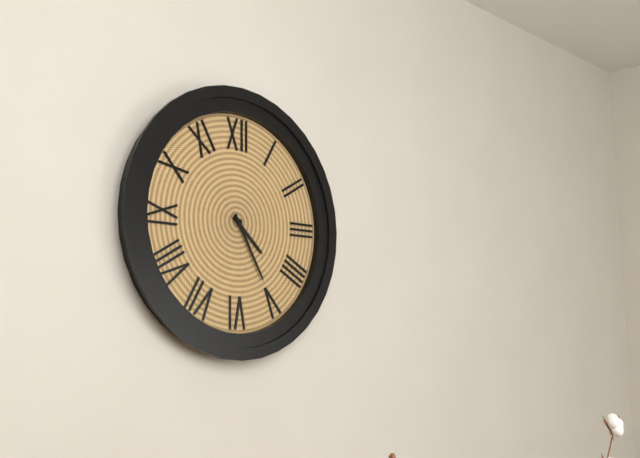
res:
4:25
